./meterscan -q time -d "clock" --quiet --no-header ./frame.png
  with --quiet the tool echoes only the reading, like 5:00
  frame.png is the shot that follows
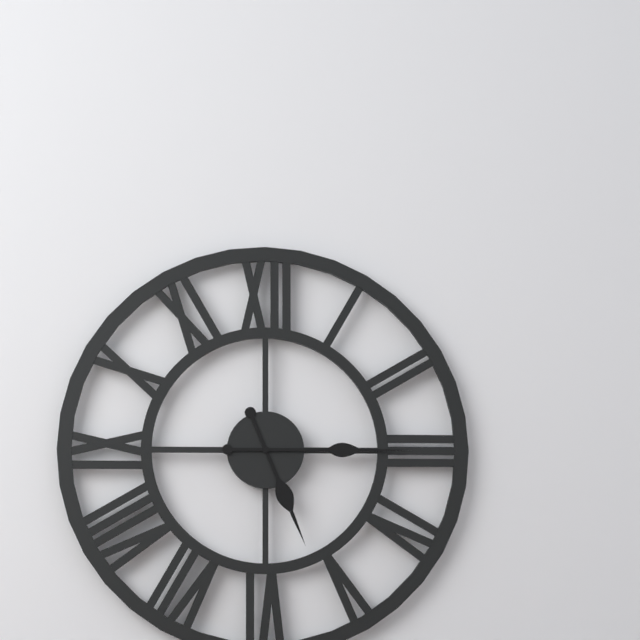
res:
5:15
